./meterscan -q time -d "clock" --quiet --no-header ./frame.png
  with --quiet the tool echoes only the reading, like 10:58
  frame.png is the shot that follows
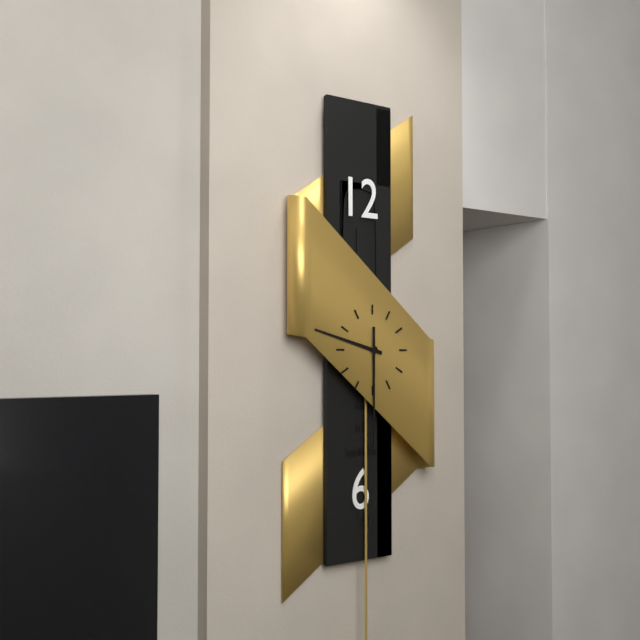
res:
9:30
